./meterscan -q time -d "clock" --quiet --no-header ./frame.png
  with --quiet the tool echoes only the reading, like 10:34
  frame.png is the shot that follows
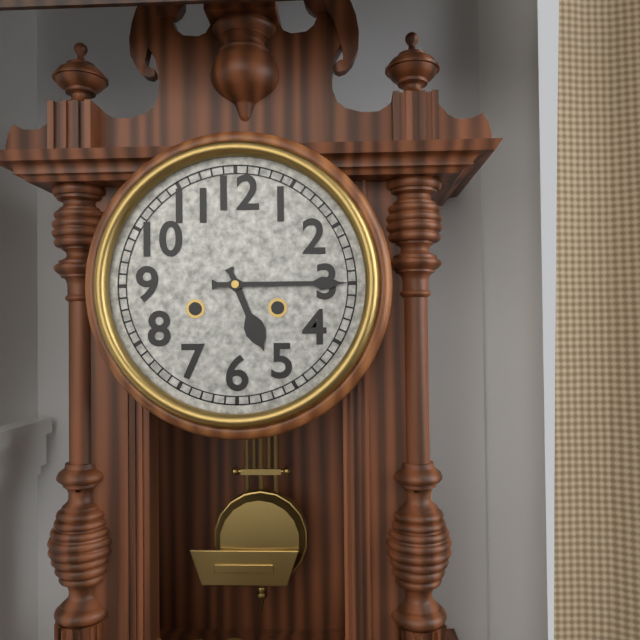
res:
5:15
